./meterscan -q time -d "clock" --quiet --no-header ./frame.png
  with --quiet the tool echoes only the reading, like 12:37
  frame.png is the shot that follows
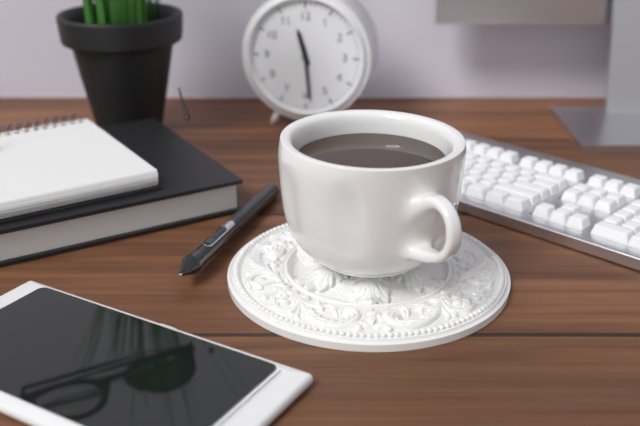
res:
11:29
